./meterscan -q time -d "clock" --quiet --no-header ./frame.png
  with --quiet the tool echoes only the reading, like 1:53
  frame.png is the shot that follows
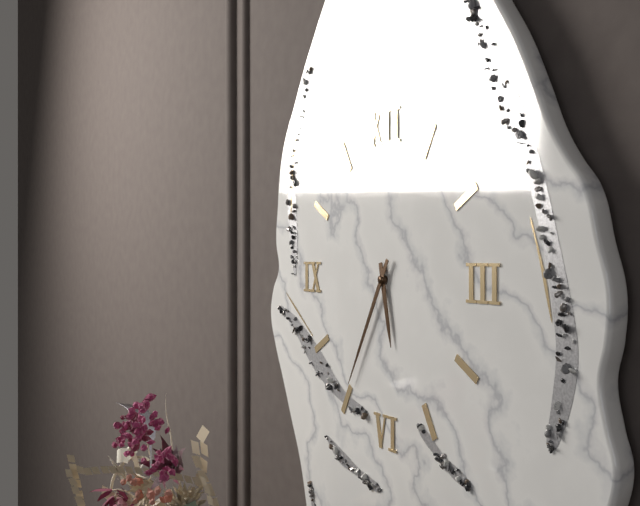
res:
5:35
